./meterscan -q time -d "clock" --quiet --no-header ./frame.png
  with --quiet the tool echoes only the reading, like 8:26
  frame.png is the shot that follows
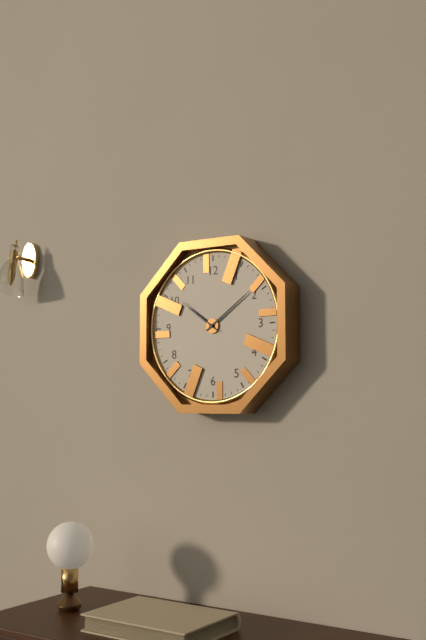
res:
10:09
